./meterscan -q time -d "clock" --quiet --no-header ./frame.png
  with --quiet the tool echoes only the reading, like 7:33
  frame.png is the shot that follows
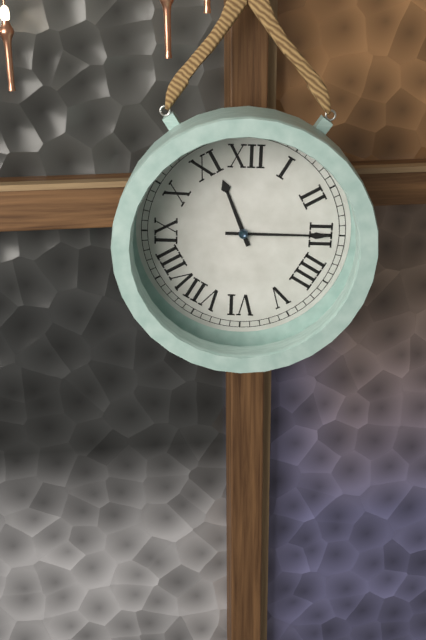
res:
11:15
